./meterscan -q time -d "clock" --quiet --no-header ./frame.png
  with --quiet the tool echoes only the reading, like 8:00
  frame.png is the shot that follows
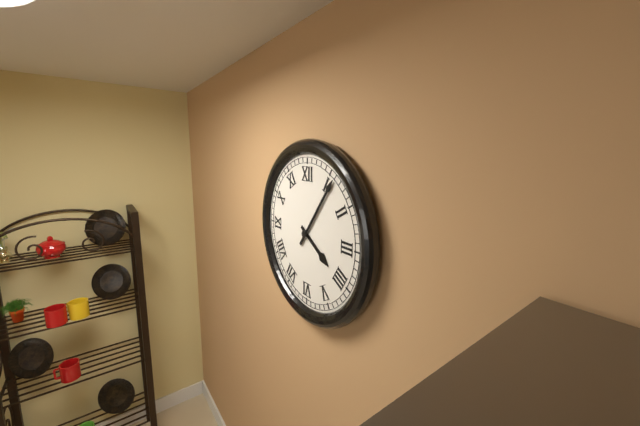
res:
4:06
